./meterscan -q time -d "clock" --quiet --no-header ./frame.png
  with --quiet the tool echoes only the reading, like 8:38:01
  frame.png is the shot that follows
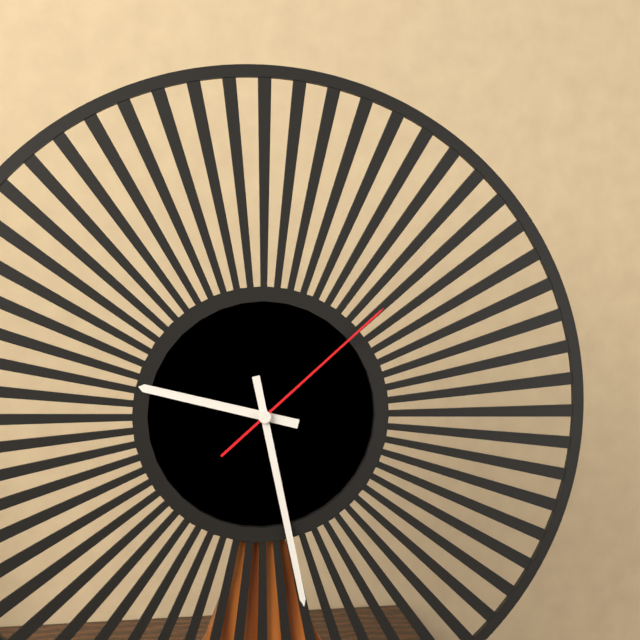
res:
9:28:08
